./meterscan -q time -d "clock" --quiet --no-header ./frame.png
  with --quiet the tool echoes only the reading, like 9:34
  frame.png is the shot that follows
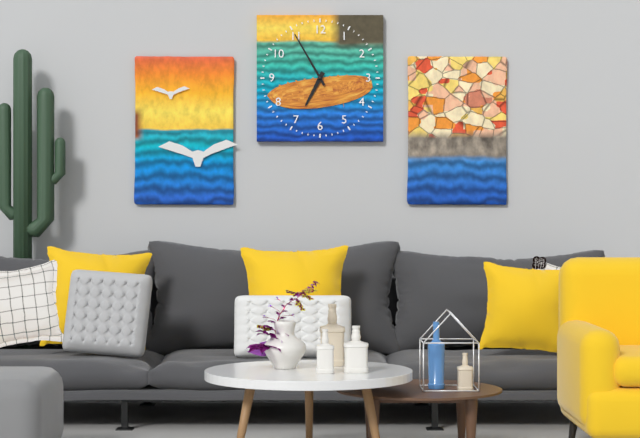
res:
6:55
